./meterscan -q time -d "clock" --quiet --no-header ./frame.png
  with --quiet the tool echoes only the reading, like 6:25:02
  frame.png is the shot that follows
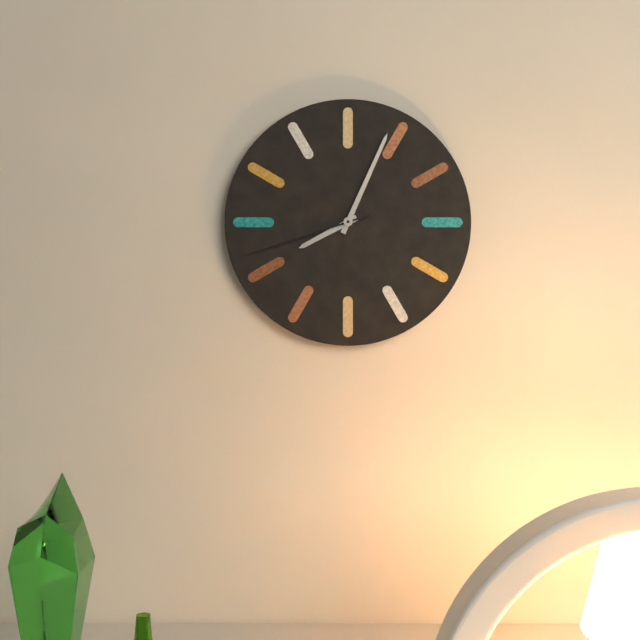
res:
8:04:42
